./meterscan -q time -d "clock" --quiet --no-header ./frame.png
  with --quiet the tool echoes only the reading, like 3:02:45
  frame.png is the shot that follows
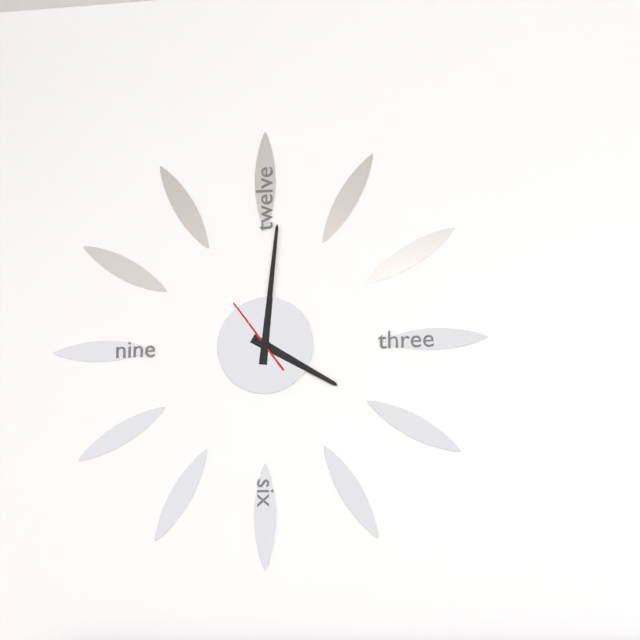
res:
4:01:54
